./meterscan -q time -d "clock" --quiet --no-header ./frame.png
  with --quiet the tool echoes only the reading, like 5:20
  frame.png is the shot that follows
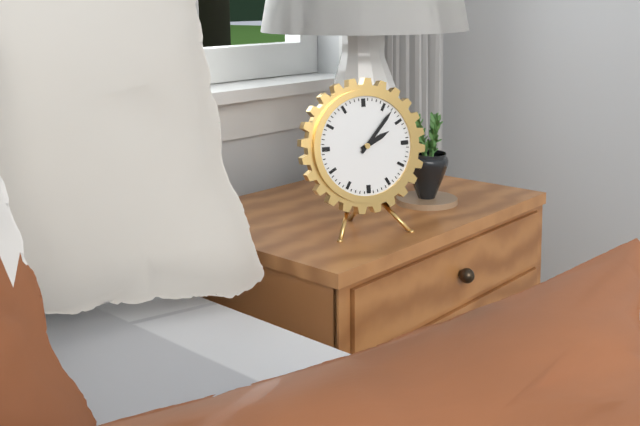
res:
2:07
